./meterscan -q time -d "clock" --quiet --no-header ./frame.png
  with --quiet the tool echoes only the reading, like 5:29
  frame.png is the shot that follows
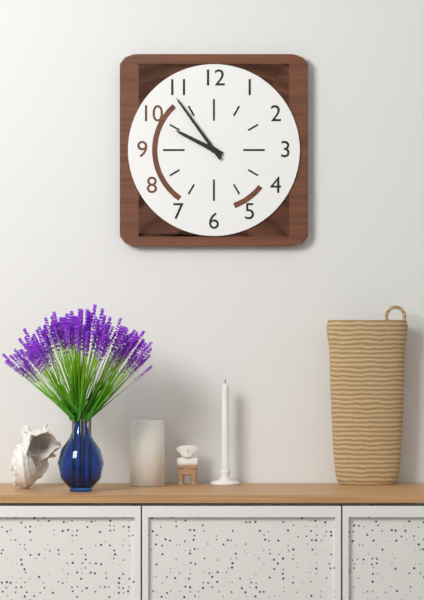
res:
9:54
